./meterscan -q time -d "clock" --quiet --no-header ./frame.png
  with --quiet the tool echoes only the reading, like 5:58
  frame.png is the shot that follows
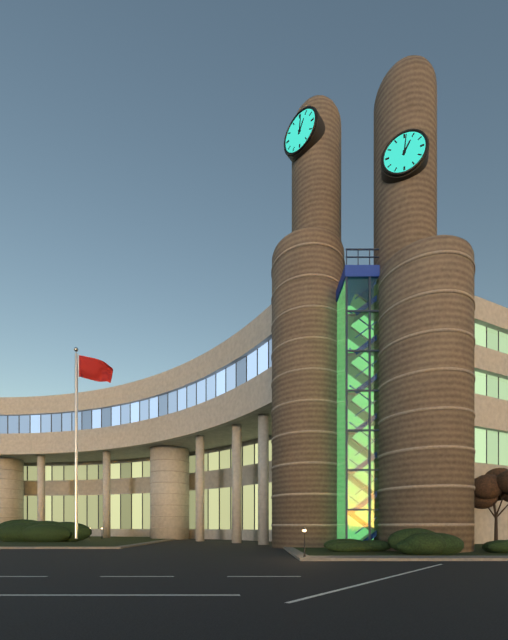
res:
1:01
